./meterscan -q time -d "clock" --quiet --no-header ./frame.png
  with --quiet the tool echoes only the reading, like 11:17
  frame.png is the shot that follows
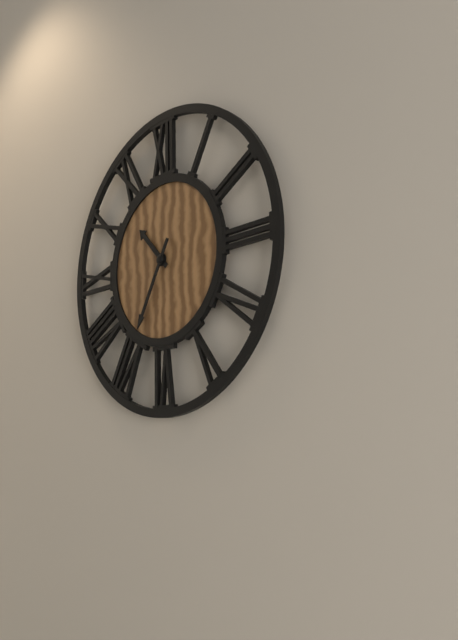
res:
10:35
